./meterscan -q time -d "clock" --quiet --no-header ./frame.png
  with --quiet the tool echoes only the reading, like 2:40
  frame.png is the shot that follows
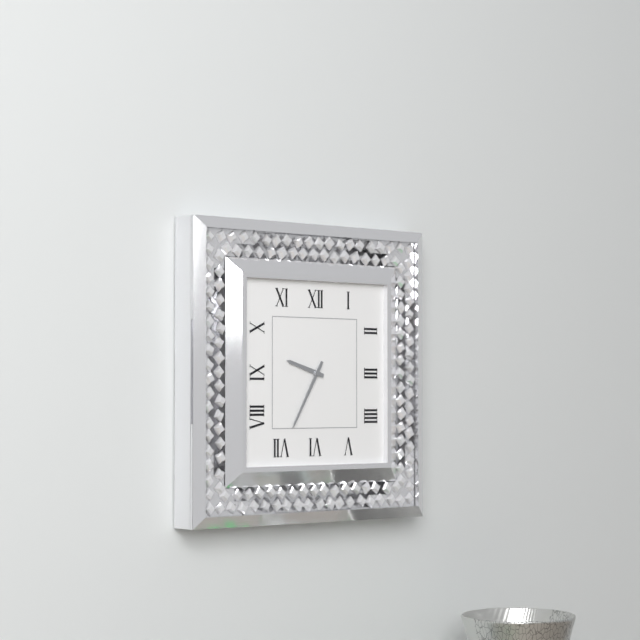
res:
9:35
